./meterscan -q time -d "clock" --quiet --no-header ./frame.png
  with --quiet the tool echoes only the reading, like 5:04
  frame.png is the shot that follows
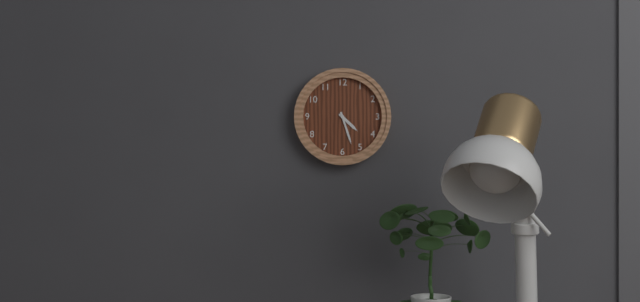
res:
4:27
